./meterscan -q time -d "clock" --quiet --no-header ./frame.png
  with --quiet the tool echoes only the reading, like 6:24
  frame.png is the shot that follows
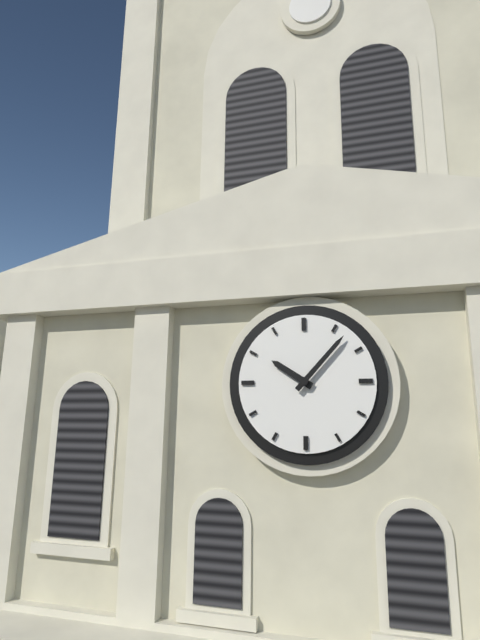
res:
10:07
